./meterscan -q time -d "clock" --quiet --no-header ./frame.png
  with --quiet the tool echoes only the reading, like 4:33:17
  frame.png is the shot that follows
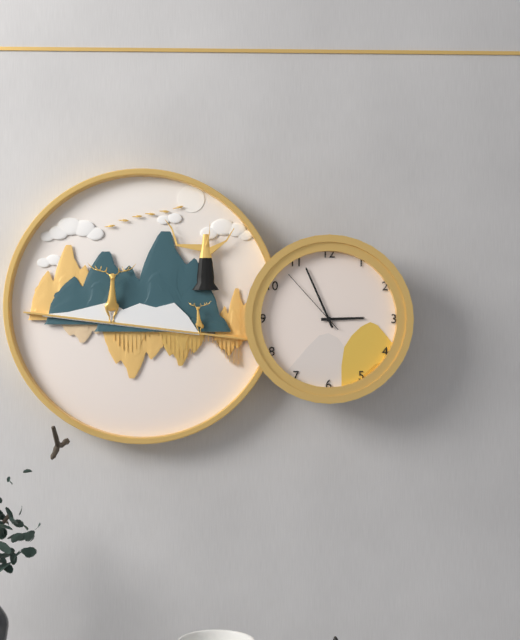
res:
2:56:53
